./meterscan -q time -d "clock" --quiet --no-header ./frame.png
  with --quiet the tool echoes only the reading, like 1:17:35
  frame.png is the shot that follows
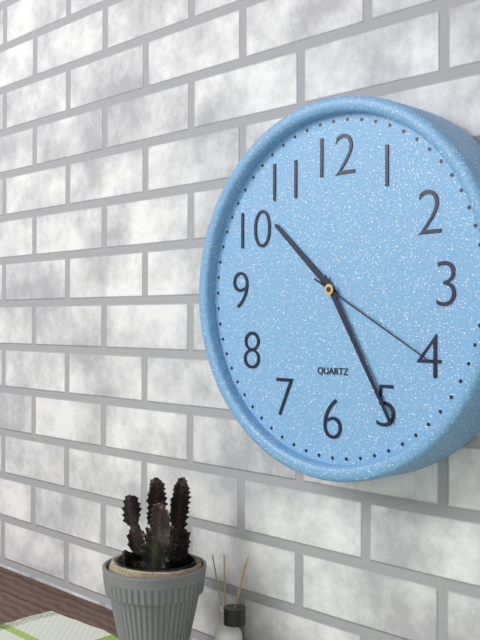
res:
10:25:20
